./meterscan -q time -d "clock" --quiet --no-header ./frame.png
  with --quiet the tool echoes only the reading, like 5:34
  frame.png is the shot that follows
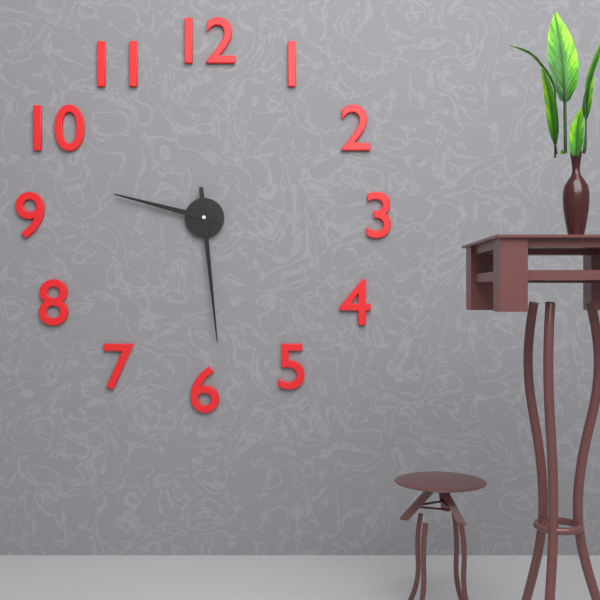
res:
9:29
